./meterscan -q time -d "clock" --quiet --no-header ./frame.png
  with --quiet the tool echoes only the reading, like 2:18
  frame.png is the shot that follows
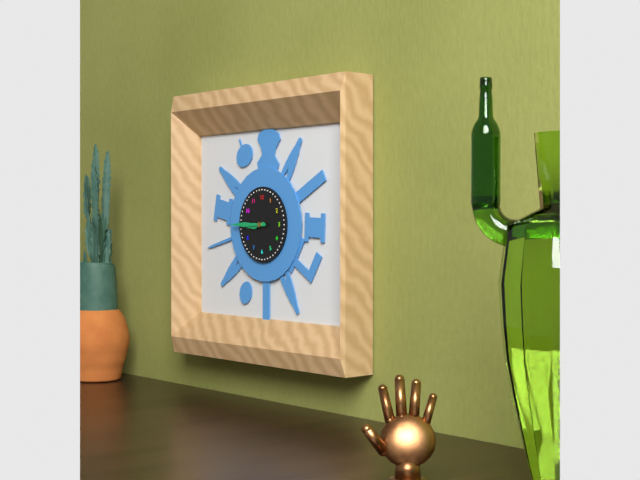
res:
8:45
